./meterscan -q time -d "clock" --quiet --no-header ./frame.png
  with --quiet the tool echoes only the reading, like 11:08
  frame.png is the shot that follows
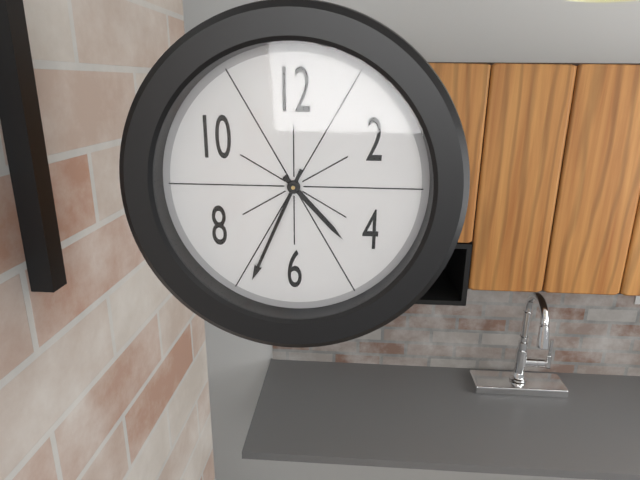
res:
4:34
